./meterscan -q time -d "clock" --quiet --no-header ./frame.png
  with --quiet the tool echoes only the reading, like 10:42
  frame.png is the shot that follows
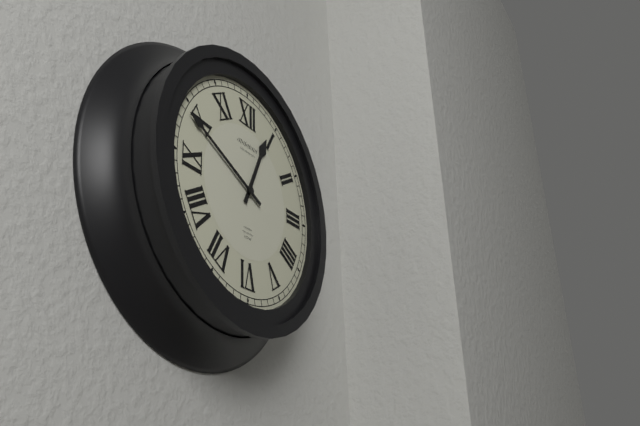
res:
12:49
